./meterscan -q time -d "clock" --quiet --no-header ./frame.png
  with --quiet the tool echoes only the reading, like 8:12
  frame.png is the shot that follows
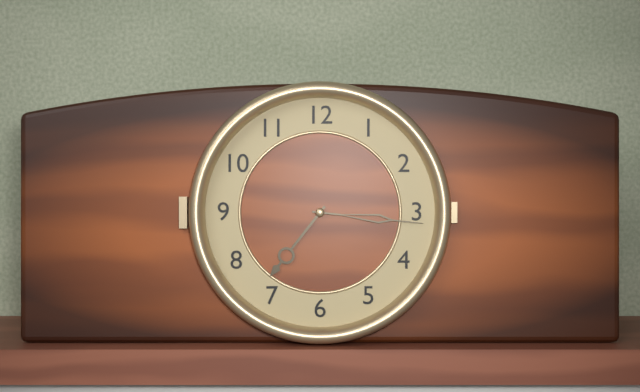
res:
7:16
